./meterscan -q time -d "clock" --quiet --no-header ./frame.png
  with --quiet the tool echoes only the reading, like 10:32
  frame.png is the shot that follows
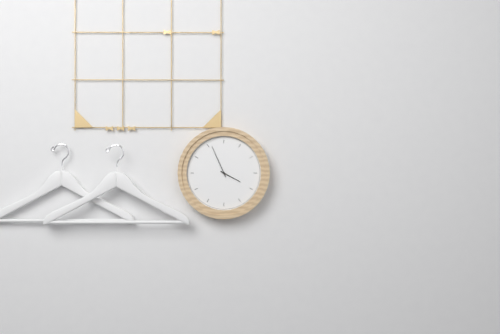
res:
3:56
